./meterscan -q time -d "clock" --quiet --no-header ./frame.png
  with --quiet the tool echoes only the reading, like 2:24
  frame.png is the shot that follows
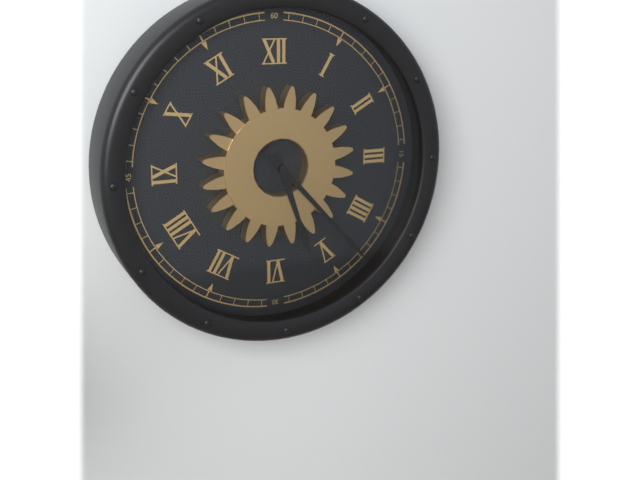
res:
5:23
